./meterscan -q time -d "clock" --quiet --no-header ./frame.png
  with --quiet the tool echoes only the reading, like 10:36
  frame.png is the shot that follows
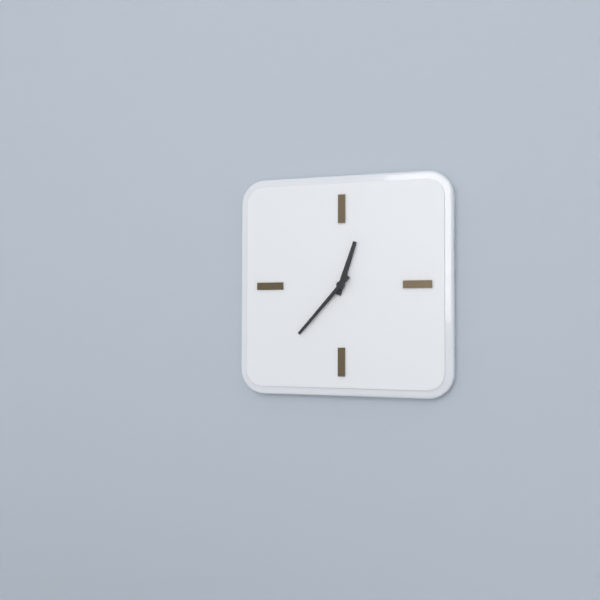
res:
12:37
